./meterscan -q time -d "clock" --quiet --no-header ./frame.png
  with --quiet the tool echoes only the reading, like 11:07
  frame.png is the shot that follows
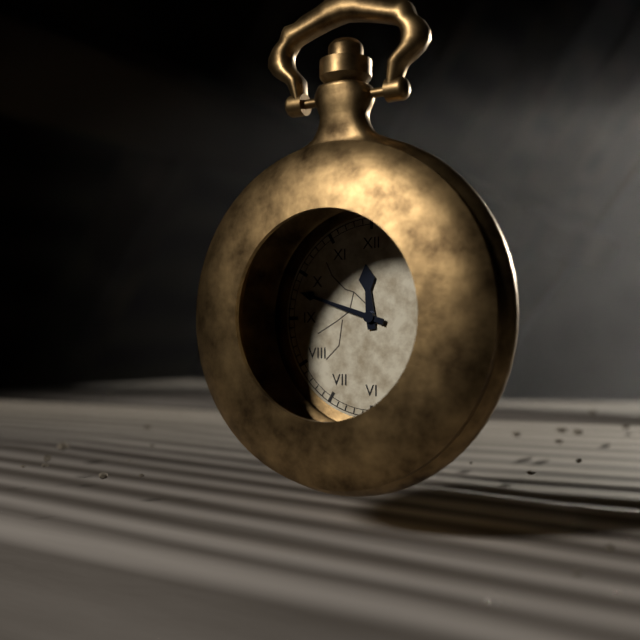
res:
11:48
